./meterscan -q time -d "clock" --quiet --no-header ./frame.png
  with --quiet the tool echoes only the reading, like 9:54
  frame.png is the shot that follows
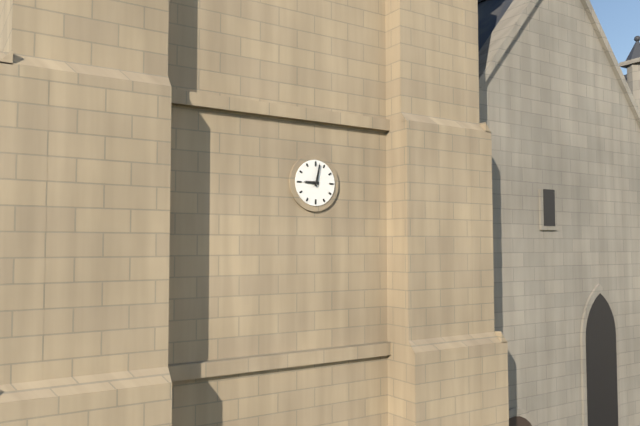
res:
9:02
